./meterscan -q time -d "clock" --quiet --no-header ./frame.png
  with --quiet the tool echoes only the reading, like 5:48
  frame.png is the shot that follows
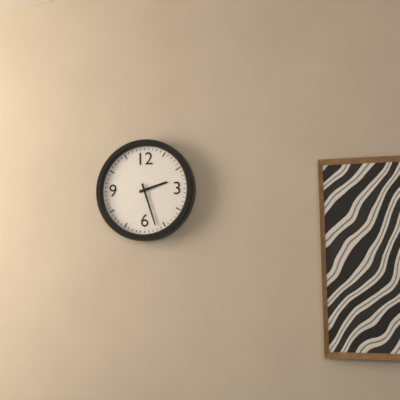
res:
2:27
